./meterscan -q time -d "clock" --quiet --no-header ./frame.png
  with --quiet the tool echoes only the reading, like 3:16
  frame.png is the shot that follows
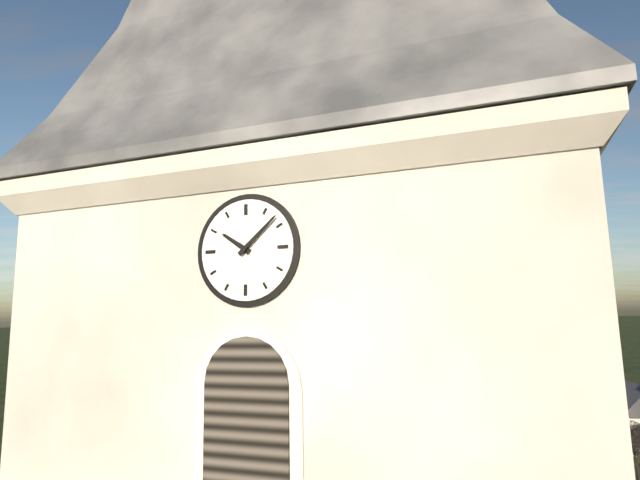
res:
10:08
